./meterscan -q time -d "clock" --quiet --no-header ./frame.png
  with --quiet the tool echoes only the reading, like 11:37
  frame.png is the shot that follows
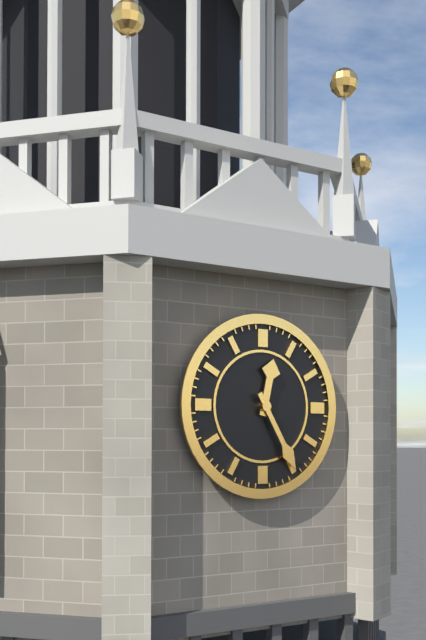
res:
12:25
